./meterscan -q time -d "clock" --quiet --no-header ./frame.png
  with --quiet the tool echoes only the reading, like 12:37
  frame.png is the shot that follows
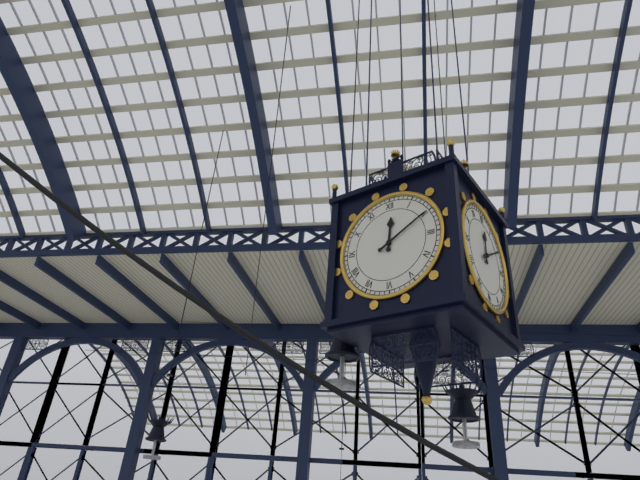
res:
12:10
